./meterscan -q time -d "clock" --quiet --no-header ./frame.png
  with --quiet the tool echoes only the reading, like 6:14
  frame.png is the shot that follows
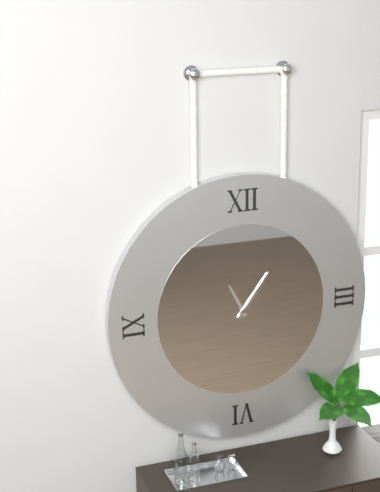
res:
11:06
